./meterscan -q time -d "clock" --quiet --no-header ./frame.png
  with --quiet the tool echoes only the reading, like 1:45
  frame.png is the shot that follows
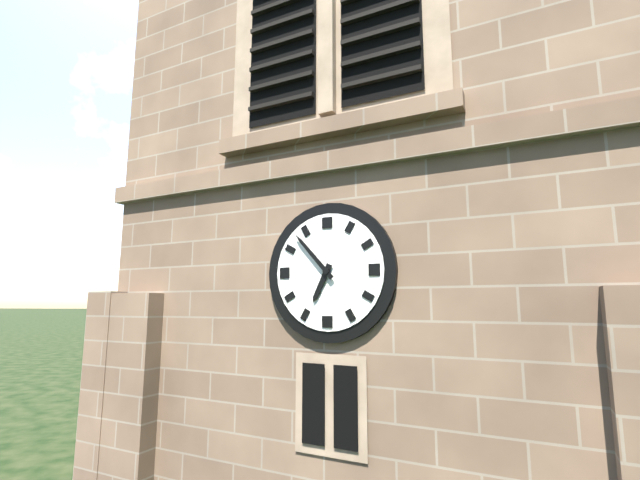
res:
6:53
